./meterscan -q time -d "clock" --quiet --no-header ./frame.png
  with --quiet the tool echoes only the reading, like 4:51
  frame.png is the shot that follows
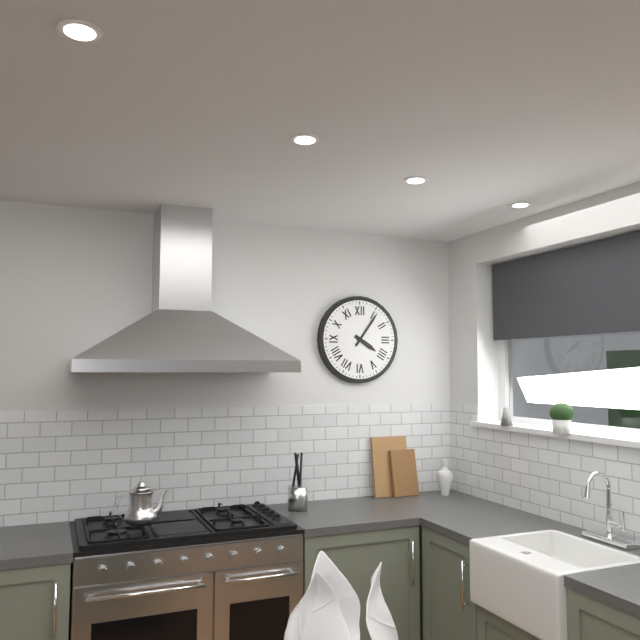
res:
4:06
